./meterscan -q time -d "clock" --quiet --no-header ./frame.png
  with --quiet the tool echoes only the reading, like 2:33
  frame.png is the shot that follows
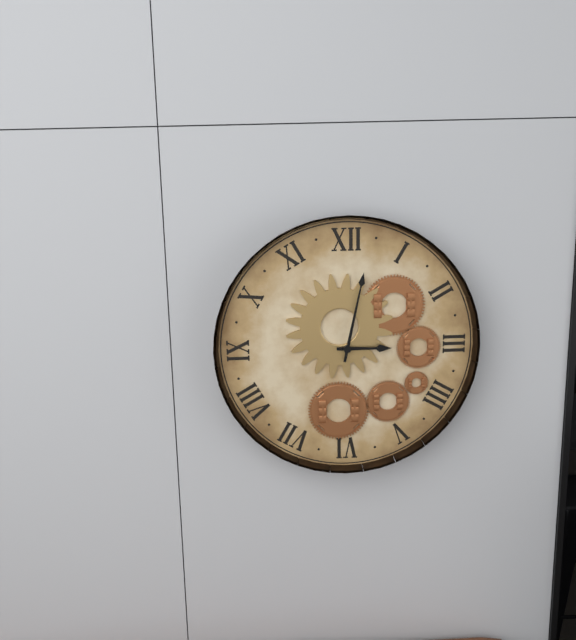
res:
3:02
